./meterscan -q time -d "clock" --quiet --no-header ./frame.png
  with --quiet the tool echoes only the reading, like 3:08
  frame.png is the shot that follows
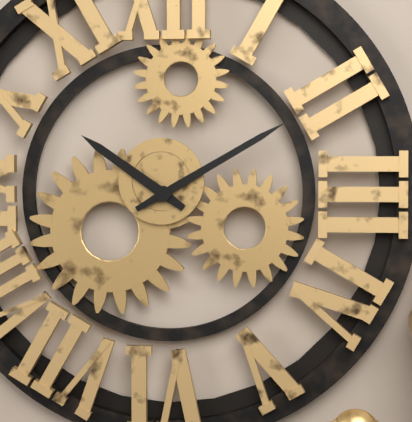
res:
10:10
